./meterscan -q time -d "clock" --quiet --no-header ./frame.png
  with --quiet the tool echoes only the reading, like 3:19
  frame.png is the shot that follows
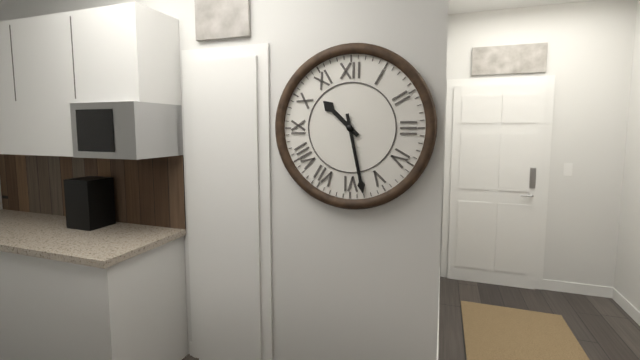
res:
10:28
